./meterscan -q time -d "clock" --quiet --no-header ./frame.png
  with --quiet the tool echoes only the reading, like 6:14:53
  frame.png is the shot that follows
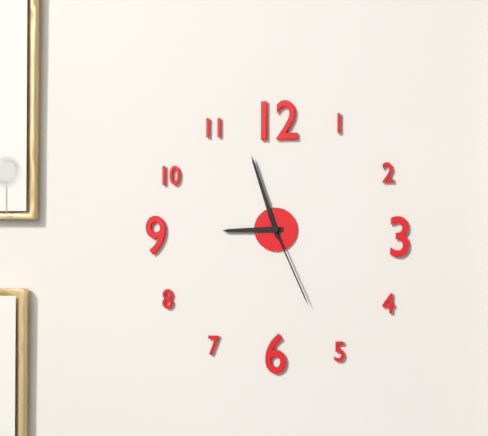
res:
8:57:26
